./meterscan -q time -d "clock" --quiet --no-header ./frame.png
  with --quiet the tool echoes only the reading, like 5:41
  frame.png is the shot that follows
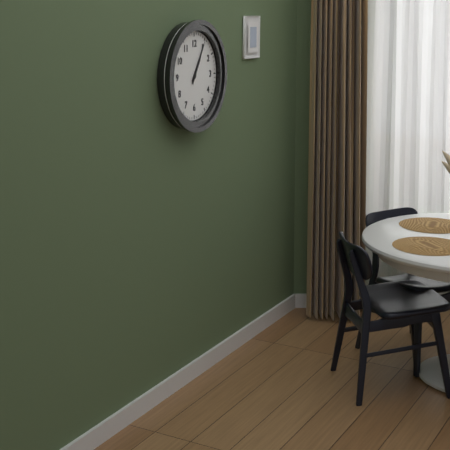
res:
1:05
